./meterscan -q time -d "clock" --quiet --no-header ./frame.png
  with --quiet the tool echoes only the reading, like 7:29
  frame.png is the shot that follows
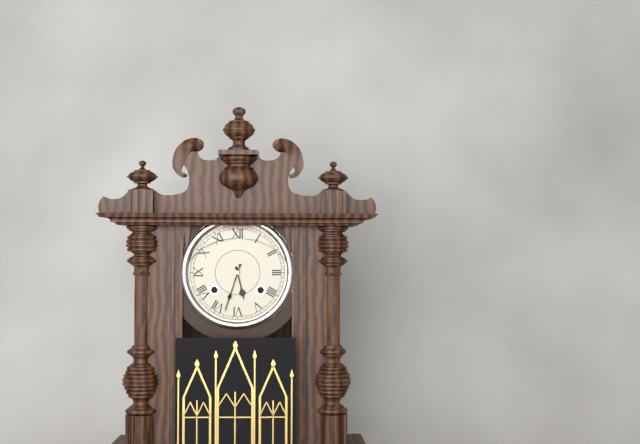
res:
5:33
